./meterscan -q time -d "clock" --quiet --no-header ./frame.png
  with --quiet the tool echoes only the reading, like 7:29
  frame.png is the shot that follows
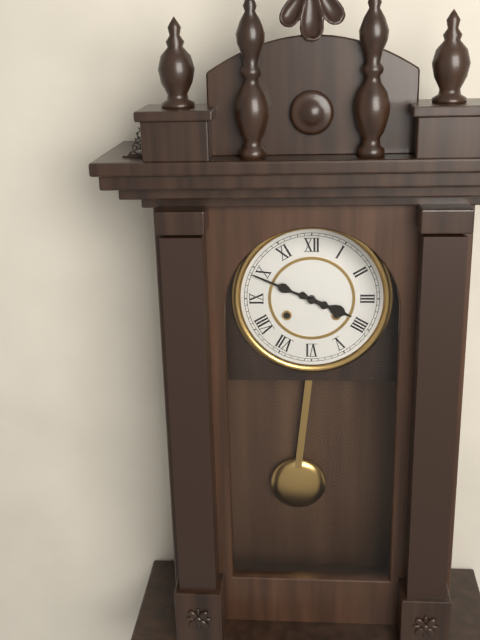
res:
3:49
